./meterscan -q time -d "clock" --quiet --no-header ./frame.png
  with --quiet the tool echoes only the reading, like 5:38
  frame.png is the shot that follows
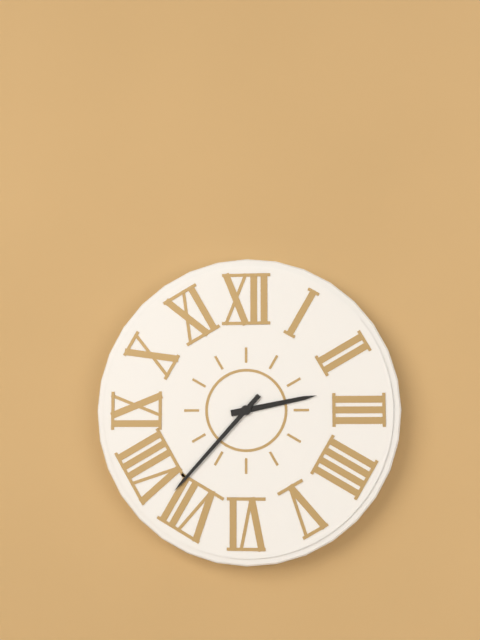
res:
2:37
